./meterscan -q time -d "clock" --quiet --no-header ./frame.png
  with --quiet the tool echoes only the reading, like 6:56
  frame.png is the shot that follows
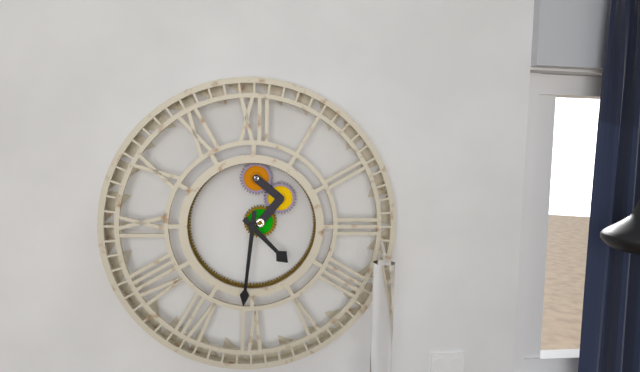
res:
4:31
